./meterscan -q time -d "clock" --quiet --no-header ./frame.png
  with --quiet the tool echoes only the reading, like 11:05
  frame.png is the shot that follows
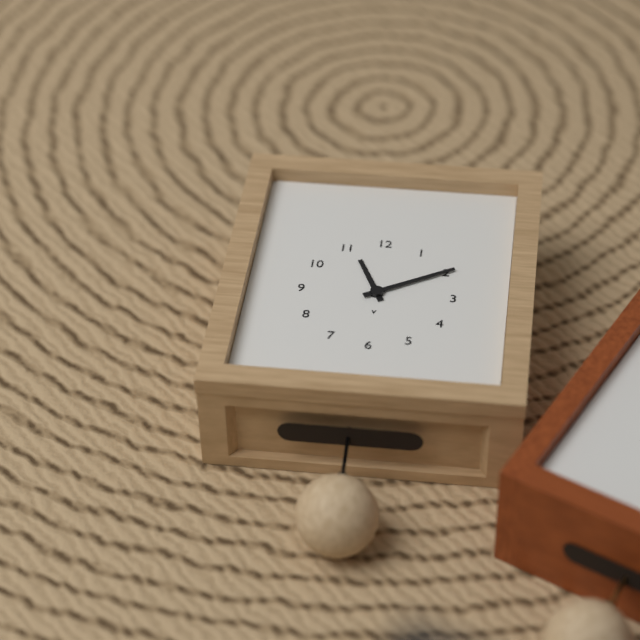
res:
11:10
